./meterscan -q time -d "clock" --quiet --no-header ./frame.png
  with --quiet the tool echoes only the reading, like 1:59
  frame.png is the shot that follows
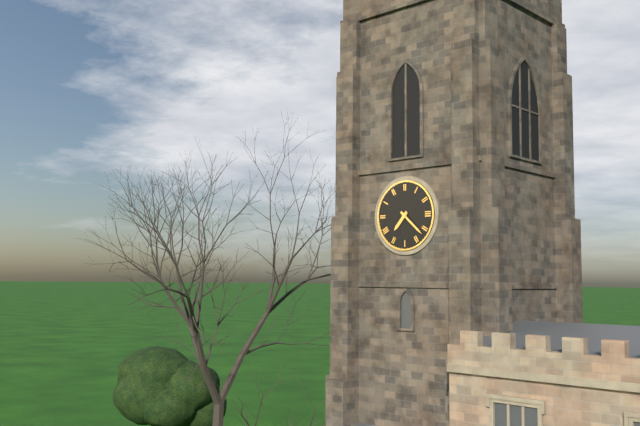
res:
7:22
